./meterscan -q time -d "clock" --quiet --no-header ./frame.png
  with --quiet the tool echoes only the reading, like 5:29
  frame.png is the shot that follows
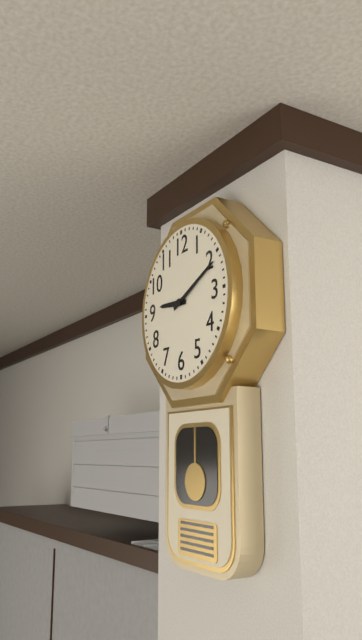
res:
9:11
